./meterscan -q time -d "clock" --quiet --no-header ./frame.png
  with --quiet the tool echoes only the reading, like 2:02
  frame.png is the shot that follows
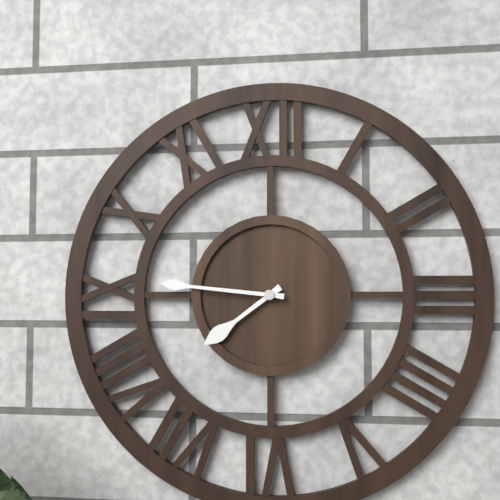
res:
7:46
